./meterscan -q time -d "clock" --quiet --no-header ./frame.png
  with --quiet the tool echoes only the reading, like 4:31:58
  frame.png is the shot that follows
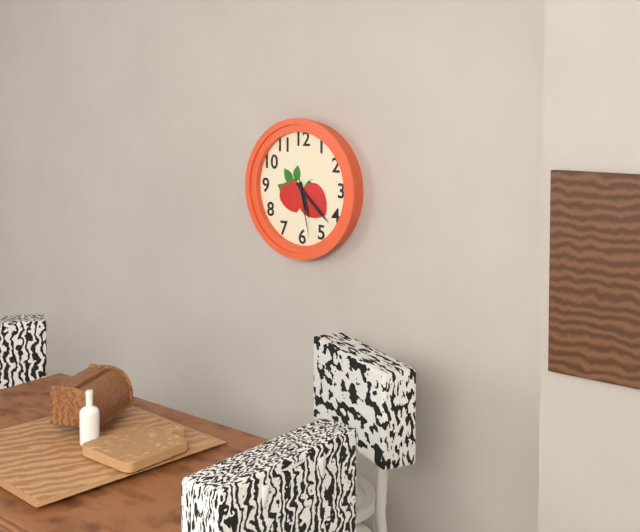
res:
5:22:28
